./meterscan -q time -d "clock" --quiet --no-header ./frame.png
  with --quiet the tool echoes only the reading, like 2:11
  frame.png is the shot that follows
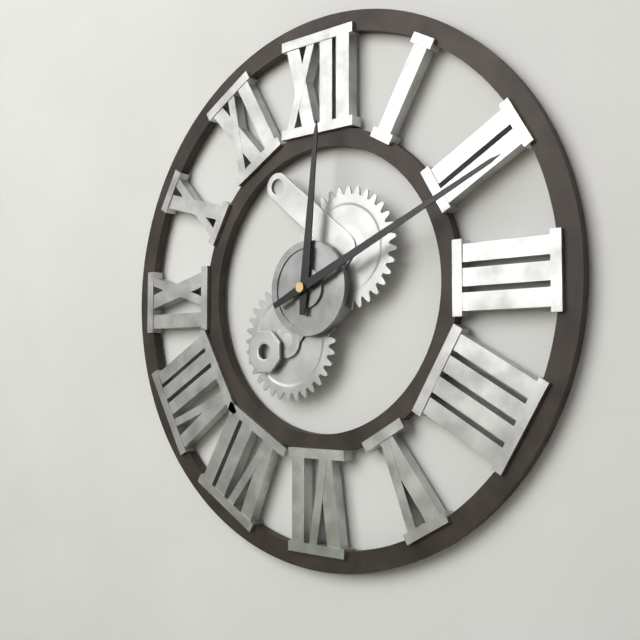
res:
12:11
